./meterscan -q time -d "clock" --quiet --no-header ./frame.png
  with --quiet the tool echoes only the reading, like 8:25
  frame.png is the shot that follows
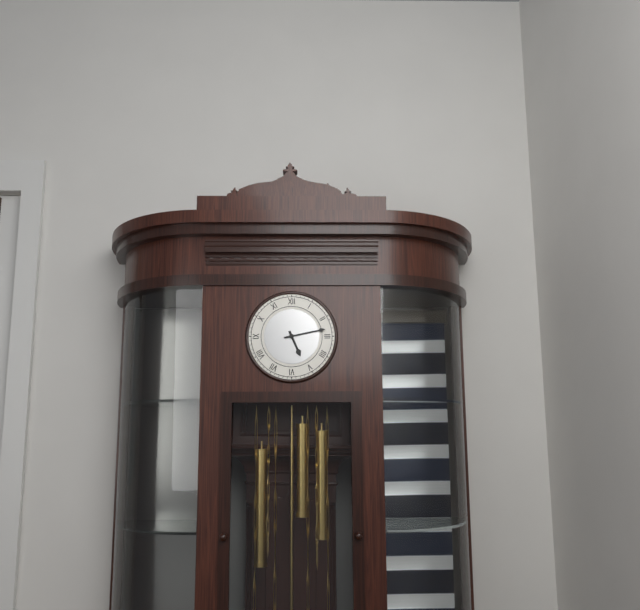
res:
5:13
